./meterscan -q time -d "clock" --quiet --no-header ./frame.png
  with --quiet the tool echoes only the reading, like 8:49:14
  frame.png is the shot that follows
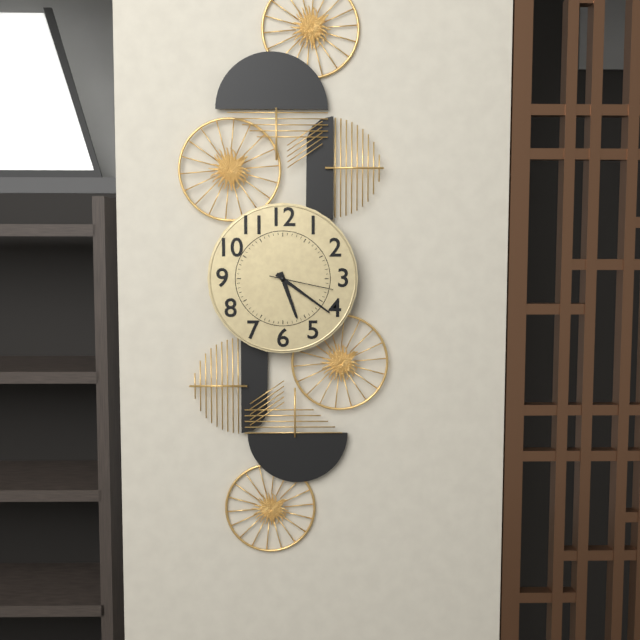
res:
5:21:17
